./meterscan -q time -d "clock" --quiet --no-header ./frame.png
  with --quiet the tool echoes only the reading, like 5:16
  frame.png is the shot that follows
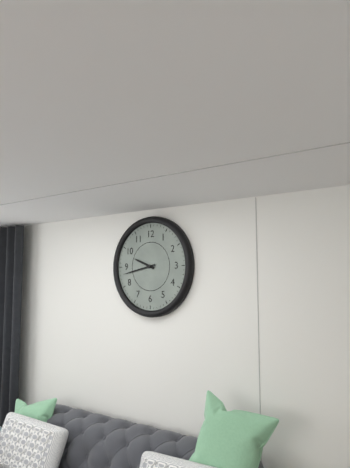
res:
9:43
